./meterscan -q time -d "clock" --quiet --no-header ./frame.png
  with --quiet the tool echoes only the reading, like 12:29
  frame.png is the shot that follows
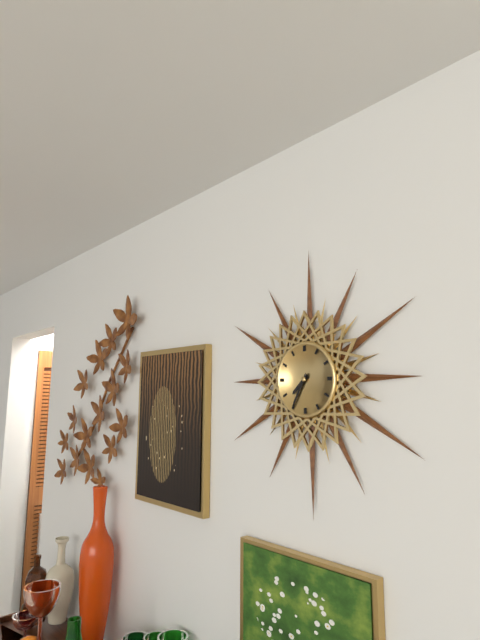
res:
7:35
